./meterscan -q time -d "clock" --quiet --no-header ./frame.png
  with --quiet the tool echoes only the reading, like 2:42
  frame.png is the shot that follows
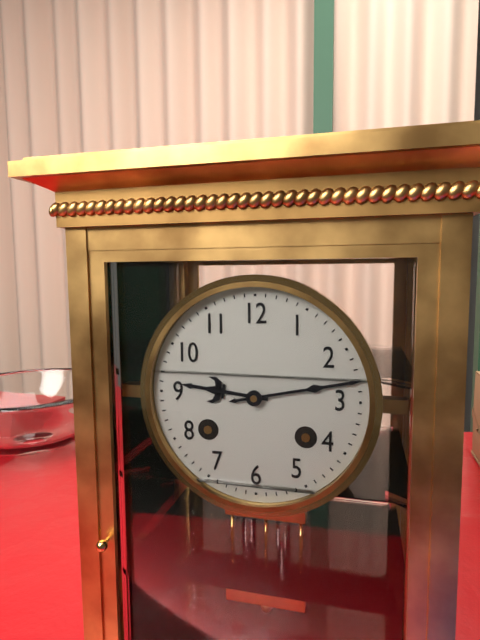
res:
9:13
